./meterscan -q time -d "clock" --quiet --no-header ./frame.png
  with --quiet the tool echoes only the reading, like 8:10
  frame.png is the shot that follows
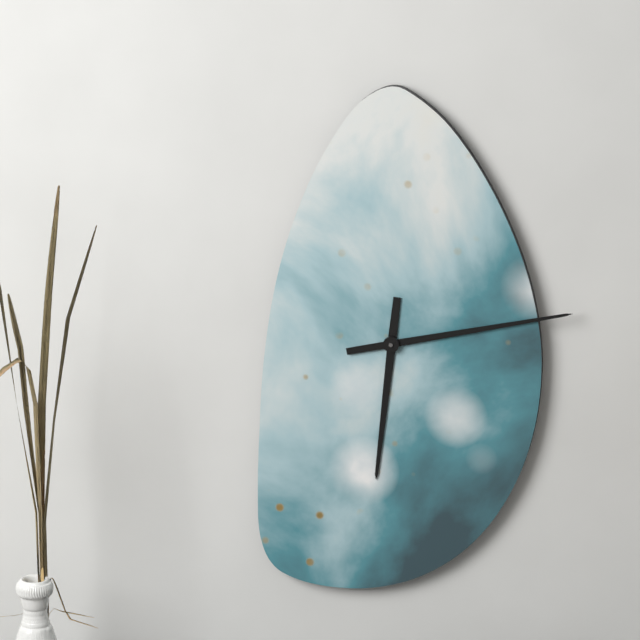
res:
6:13
